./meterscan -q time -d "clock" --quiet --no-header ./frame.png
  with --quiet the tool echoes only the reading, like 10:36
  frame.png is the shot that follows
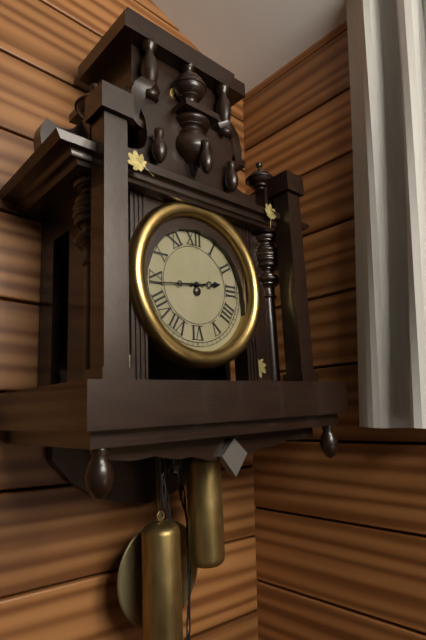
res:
2:44
